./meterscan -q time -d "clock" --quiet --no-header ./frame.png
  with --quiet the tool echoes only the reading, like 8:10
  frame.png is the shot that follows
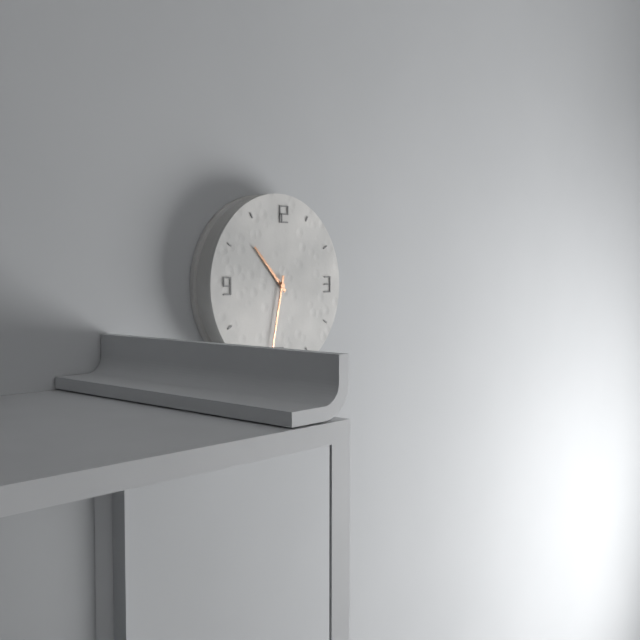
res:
10:32
